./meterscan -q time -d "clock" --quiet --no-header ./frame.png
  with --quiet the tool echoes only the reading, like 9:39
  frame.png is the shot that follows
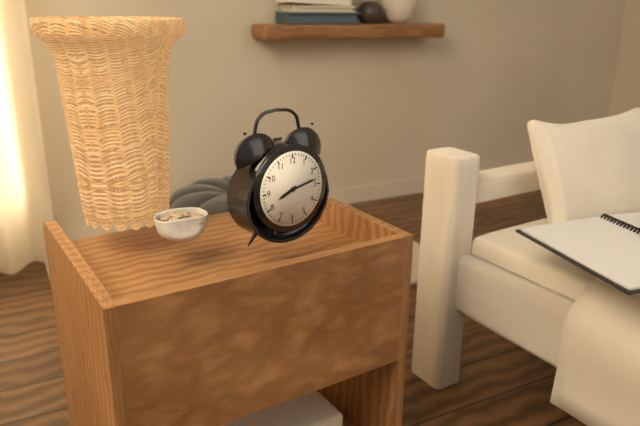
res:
8:13
